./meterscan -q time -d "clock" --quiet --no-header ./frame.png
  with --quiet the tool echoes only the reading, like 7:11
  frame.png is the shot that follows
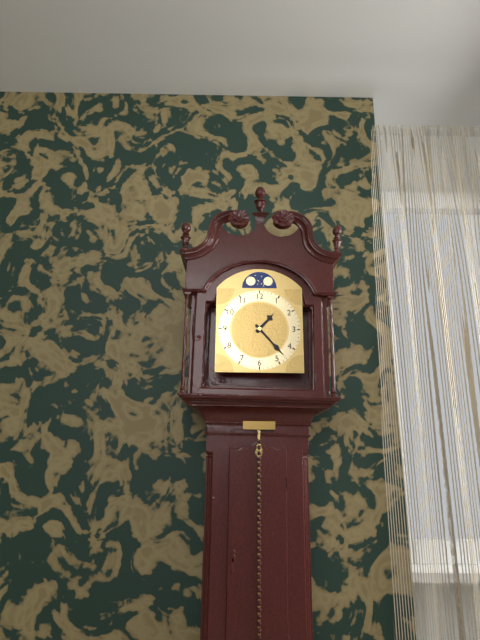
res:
1:23
